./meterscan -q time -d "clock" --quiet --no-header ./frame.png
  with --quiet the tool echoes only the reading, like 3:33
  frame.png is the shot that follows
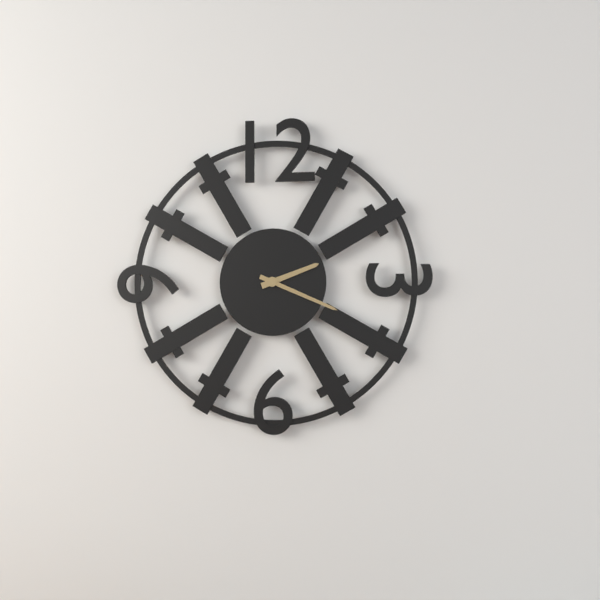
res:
2:19
